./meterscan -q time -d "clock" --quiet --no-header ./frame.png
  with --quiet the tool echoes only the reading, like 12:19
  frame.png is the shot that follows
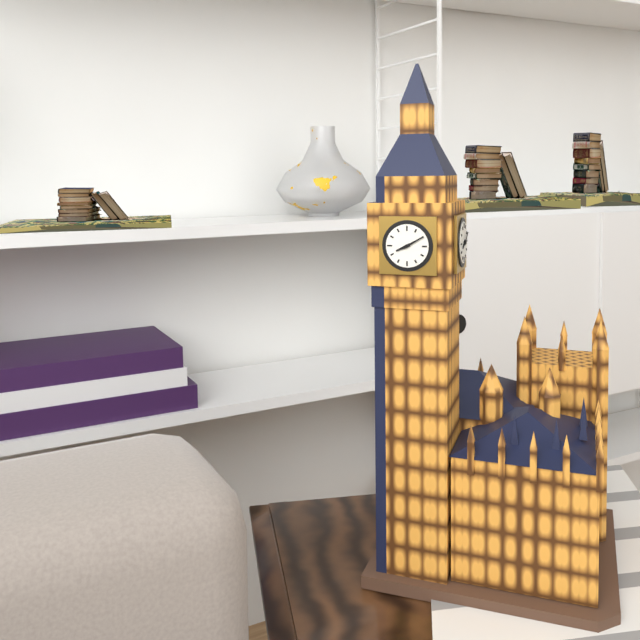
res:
8:10
